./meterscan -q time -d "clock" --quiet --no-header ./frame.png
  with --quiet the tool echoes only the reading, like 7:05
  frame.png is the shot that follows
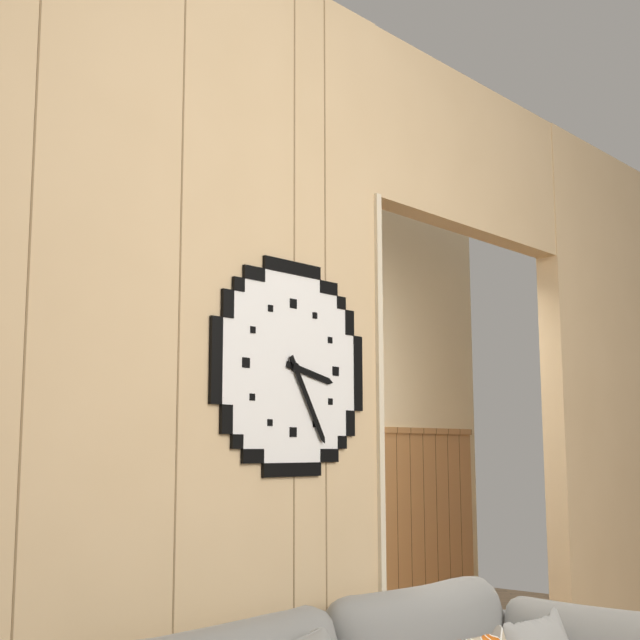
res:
3:25
